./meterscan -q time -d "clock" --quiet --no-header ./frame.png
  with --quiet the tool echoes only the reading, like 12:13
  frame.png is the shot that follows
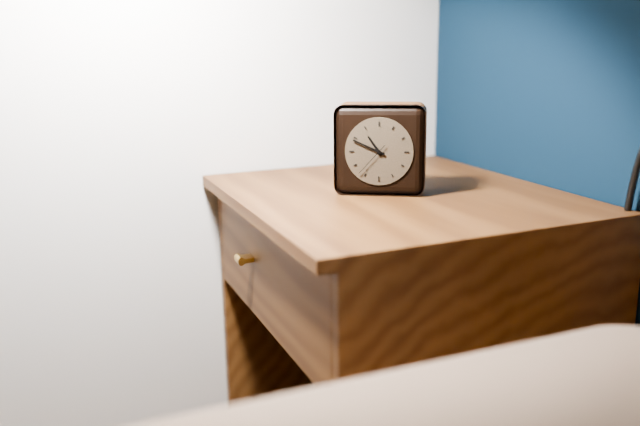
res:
10:49
